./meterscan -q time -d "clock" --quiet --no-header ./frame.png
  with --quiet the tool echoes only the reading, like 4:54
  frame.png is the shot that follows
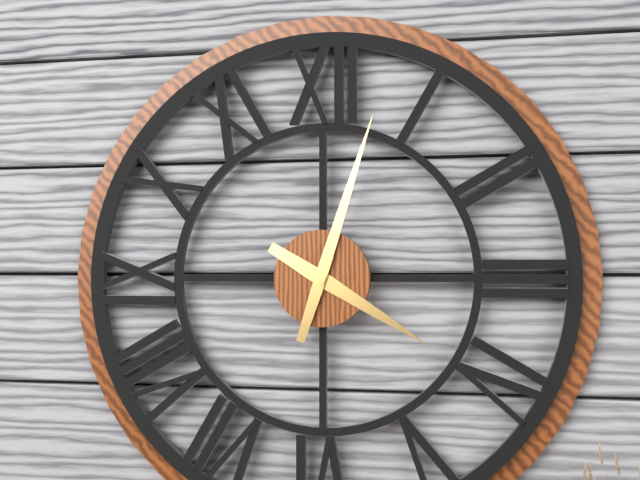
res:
4:03
